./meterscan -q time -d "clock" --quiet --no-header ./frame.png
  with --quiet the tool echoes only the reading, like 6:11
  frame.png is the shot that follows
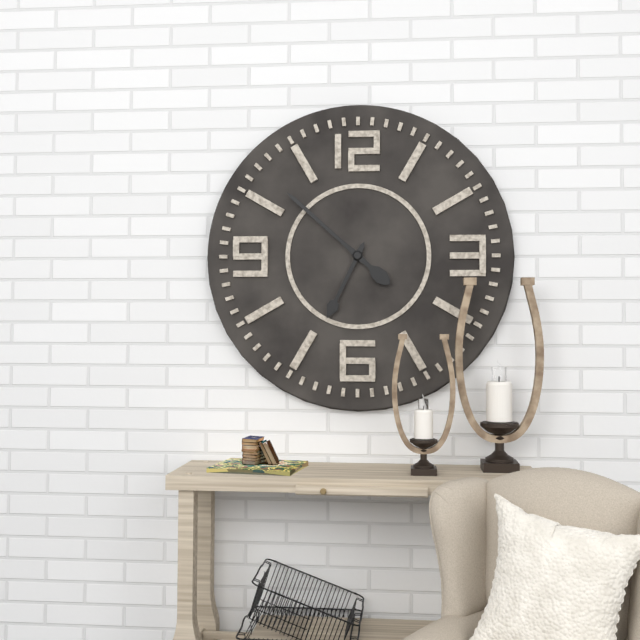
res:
6:52
